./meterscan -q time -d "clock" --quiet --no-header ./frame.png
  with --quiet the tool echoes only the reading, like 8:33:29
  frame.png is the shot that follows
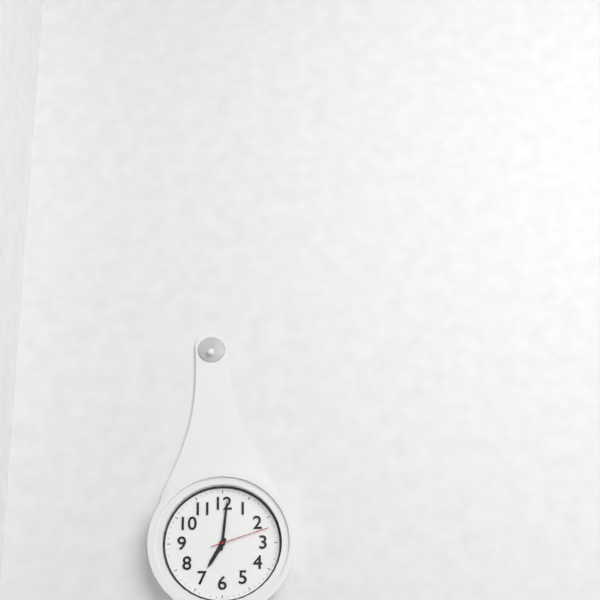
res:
7:01:12
